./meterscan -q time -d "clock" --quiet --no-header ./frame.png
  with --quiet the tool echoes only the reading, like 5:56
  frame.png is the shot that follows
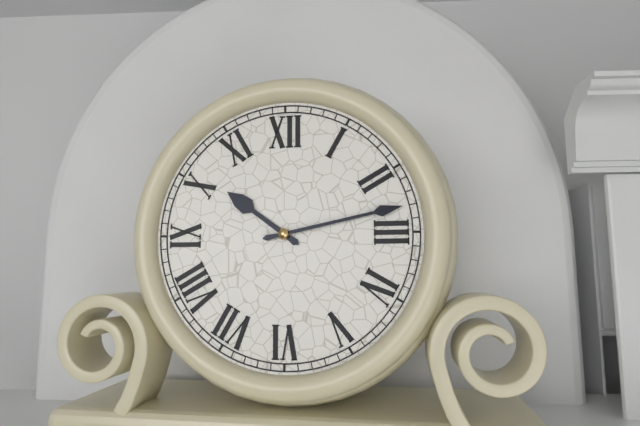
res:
10:13
